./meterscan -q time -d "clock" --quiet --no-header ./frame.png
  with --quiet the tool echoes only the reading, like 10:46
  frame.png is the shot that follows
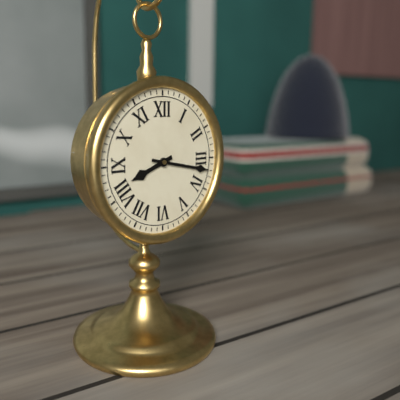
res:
8:17
